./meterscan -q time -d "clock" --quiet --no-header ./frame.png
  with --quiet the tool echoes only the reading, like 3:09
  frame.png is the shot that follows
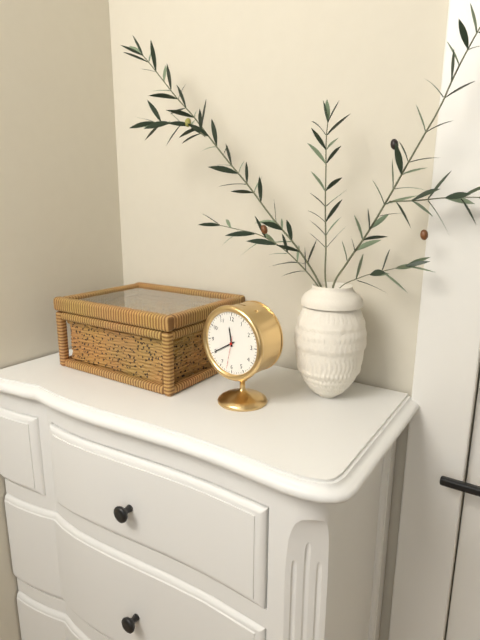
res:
11:40
